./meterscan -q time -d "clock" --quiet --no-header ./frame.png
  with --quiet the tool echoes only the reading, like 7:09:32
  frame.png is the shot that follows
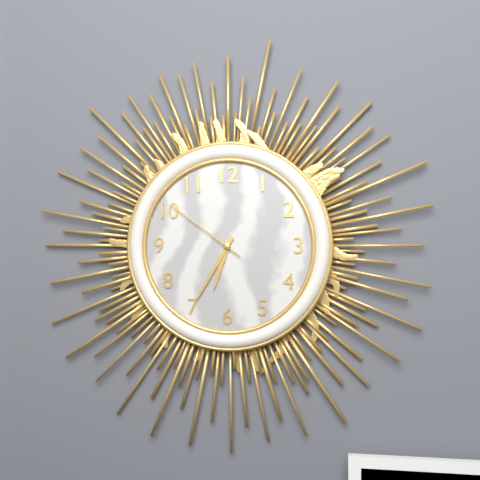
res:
6:35:51
